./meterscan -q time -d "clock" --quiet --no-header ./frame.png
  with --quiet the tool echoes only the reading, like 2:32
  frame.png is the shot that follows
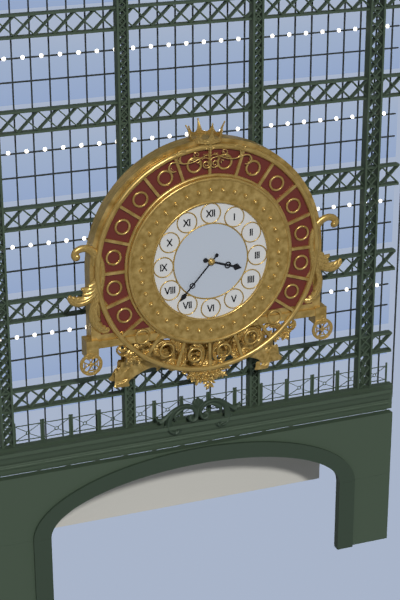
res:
3:37
